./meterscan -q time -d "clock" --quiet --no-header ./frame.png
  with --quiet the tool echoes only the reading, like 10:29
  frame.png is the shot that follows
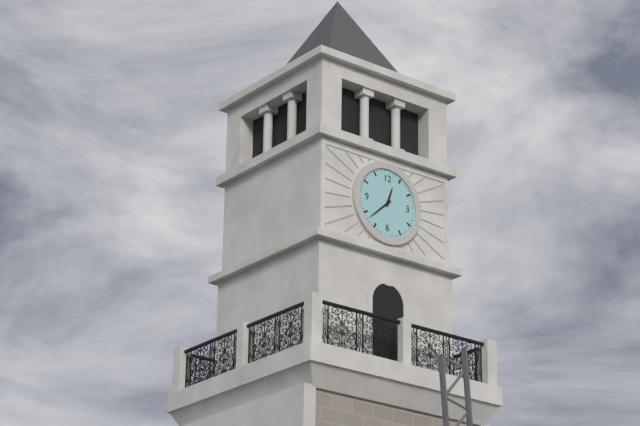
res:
12:38
